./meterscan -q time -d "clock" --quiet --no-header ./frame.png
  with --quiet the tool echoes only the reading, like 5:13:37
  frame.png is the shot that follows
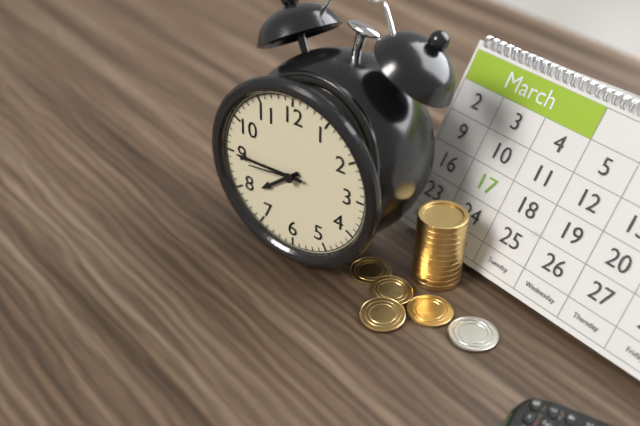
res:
7:45:44
